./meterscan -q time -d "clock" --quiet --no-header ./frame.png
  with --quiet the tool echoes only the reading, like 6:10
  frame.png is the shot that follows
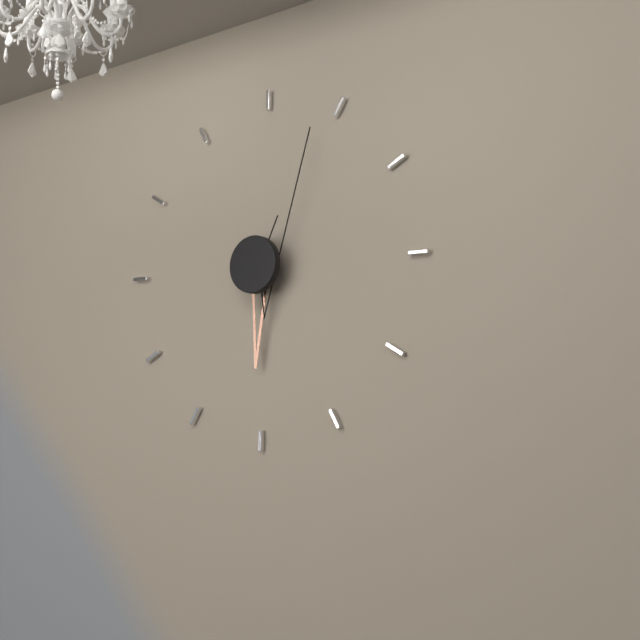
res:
6:04
